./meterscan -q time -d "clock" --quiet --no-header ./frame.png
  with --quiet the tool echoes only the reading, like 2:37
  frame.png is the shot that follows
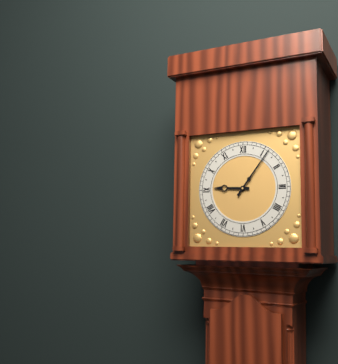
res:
9:06
